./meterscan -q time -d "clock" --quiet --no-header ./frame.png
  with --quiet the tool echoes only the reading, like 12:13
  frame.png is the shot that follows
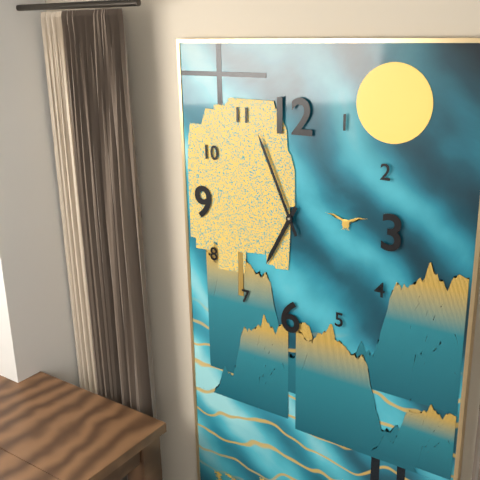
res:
6:56
